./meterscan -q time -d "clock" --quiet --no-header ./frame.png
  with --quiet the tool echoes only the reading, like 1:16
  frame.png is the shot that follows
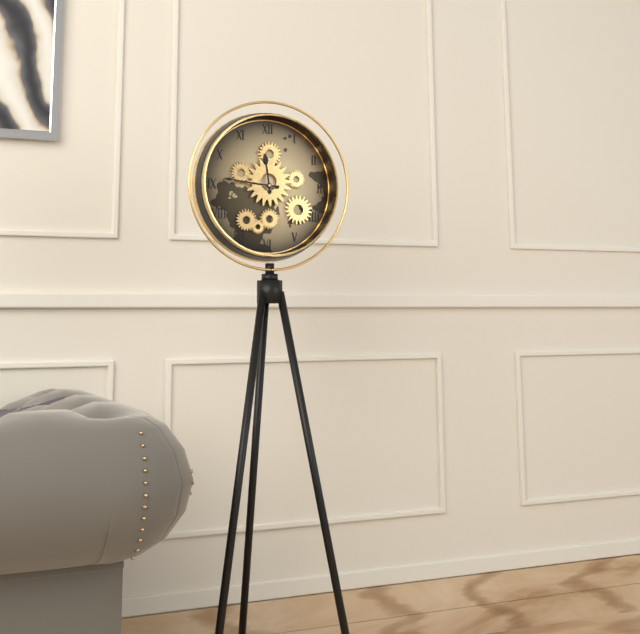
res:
11:46
